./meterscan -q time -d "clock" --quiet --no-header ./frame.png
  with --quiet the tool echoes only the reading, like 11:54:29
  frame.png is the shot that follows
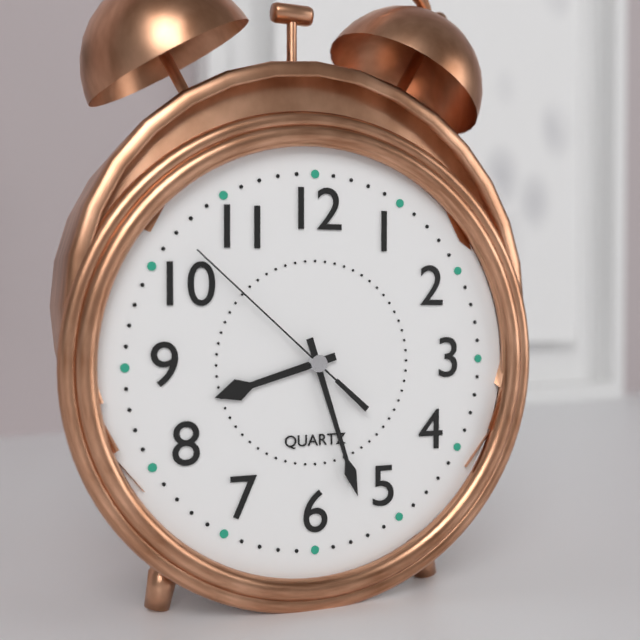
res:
8:27:52
